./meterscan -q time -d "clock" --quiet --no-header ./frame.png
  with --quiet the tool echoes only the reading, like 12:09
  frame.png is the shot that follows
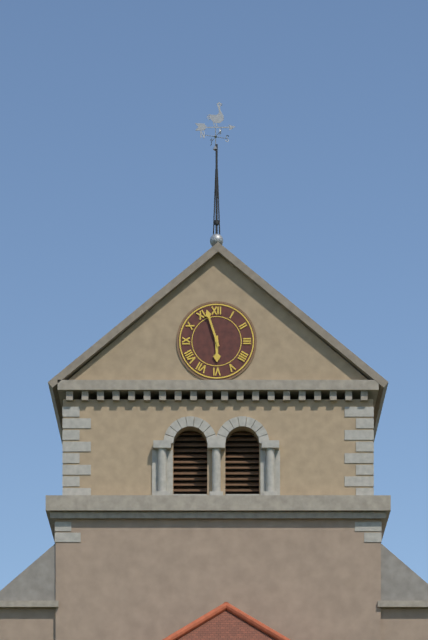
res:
5:57
